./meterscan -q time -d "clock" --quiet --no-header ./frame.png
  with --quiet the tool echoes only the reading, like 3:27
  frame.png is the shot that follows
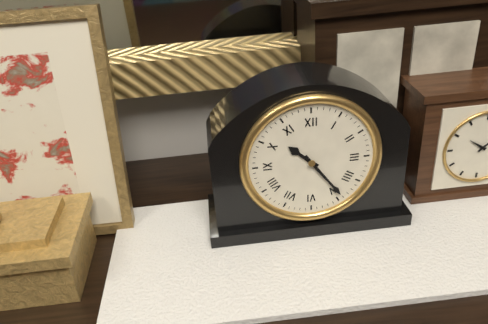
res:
10:24
